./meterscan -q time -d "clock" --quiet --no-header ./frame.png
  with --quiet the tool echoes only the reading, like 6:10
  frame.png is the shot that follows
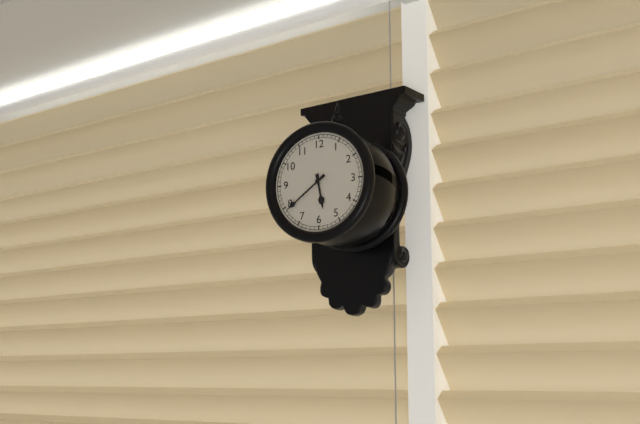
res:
5:39
